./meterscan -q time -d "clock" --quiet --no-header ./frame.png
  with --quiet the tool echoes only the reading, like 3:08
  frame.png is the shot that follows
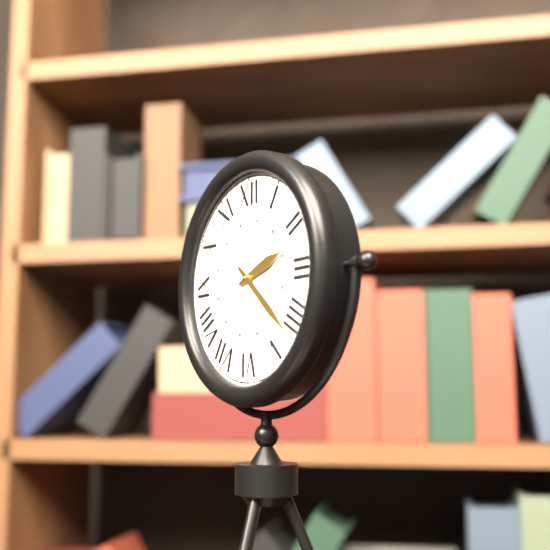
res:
2:22
